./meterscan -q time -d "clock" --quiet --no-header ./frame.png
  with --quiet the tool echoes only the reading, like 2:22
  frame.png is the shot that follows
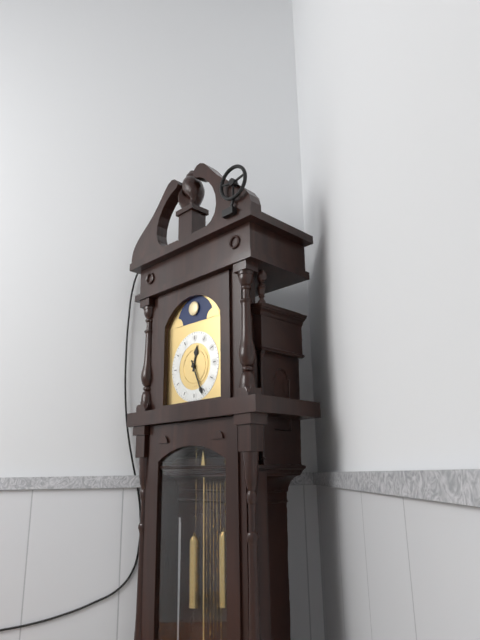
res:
12:26
